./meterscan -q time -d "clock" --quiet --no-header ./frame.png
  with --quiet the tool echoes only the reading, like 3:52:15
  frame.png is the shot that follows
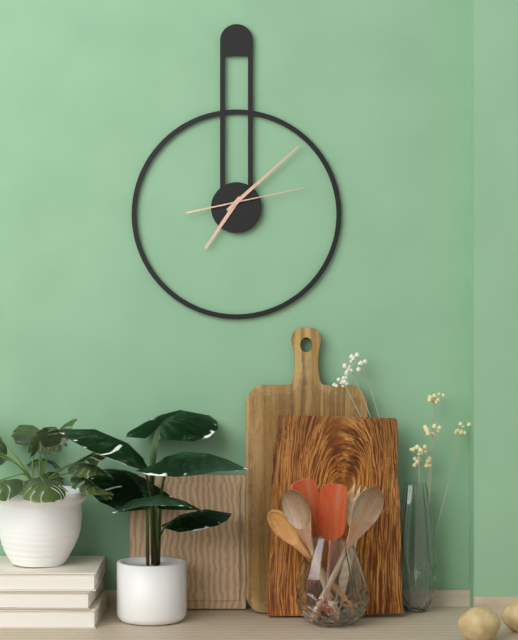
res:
7:08:13
